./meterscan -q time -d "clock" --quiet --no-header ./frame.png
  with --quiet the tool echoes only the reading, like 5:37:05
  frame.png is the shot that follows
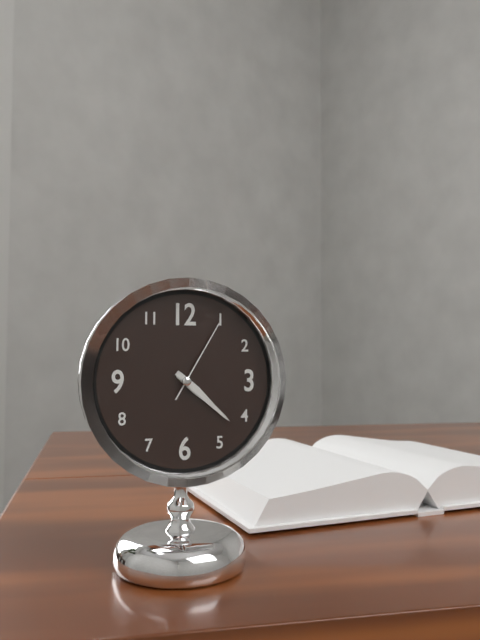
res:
4:22:05
